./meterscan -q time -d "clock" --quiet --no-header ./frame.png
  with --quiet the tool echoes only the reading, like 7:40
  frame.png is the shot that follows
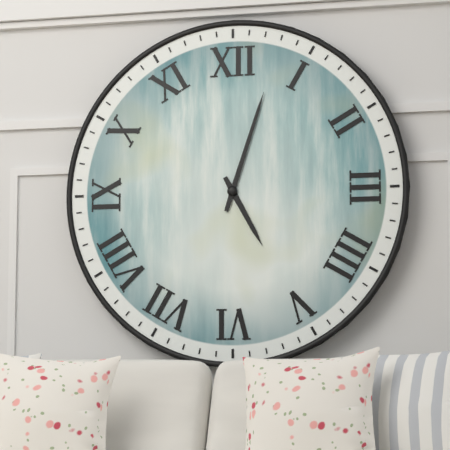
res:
5:03
